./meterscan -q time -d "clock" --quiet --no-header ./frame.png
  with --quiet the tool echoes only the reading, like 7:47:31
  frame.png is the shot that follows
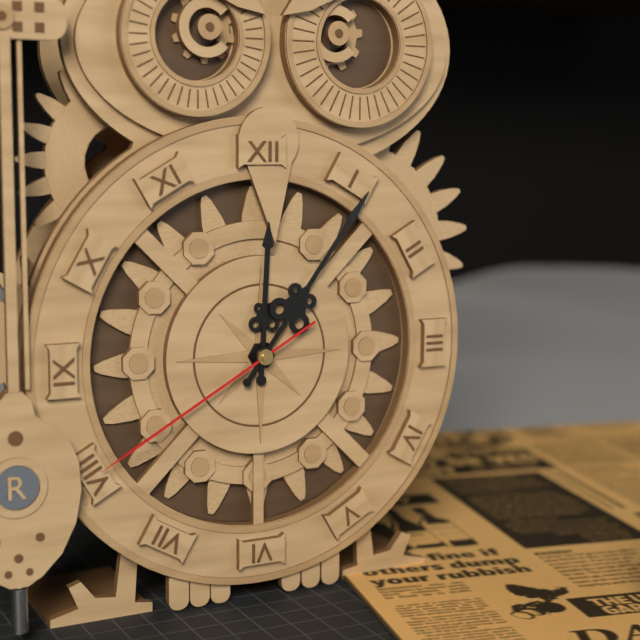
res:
12:06:40
